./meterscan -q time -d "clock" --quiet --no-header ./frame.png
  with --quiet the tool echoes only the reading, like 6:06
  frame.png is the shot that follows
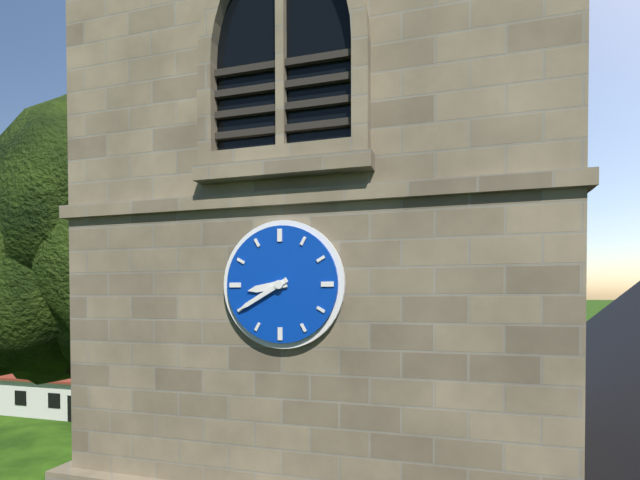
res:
8:40
